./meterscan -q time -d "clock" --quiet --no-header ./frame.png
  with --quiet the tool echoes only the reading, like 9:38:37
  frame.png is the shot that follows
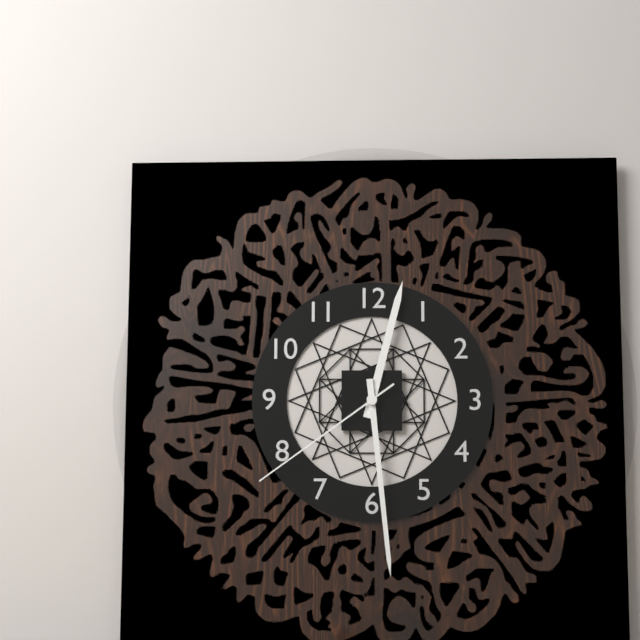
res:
12:29:39
